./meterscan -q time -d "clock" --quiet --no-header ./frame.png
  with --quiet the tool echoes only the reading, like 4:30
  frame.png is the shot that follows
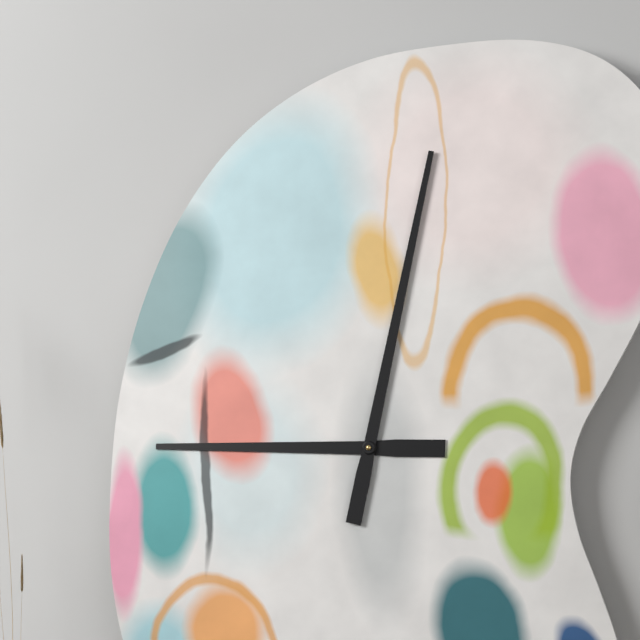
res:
9:02
